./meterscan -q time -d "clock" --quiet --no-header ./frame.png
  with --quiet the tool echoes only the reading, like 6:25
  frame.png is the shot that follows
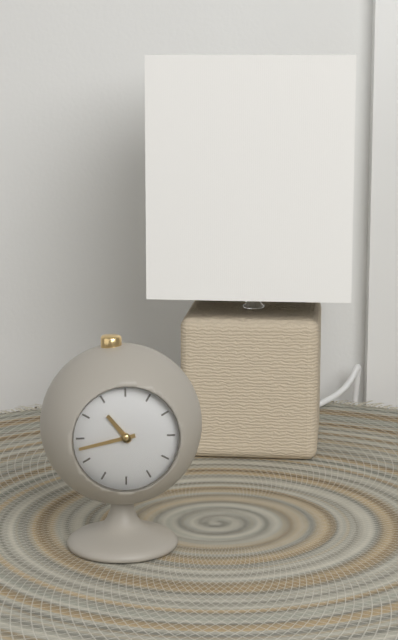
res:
10:43
